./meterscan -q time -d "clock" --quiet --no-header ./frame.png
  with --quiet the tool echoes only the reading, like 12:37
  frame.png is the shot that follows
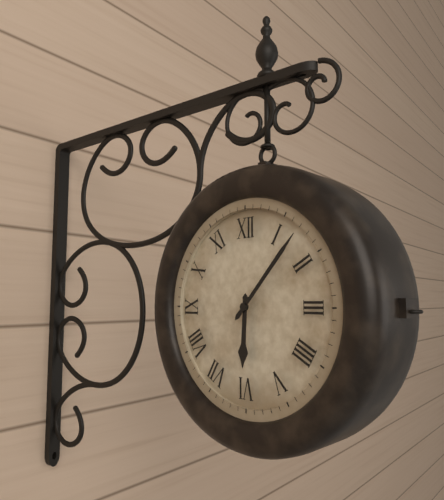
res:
6:07
